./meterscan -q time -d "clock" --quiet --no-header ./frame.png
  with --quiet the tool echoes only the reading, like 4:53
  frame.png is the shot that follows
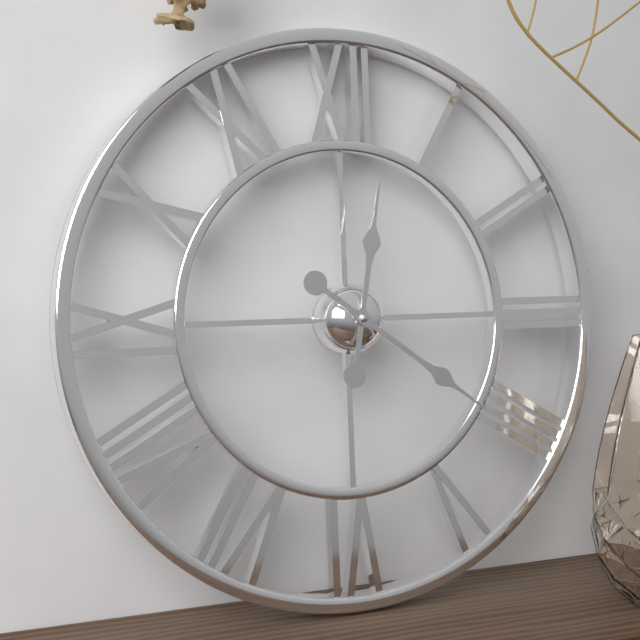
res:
12:21
